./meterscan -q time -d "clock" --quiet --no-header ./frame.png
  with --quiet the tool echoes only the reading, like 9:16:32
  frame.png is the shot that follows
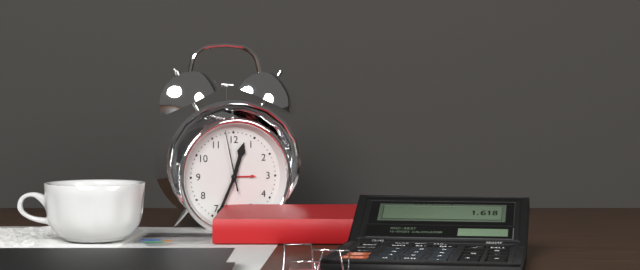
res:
12:34:58
